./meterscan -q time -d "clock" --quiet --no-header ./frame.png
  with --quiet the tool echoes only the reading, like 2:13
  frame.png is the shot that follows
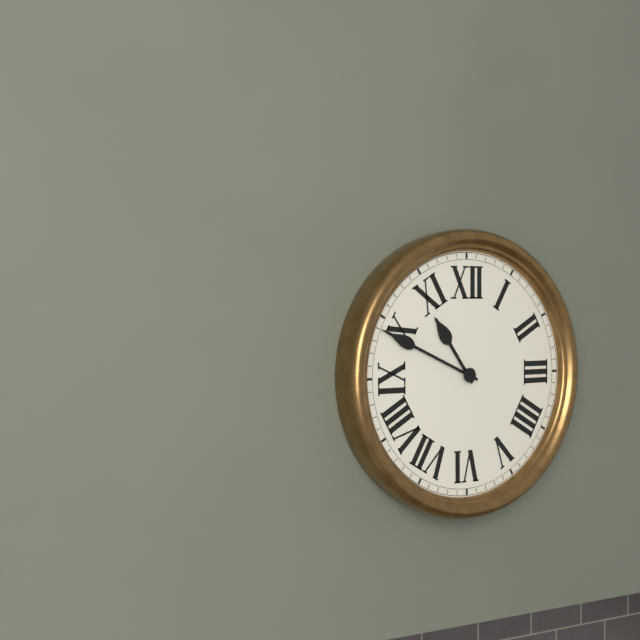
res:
10:49
